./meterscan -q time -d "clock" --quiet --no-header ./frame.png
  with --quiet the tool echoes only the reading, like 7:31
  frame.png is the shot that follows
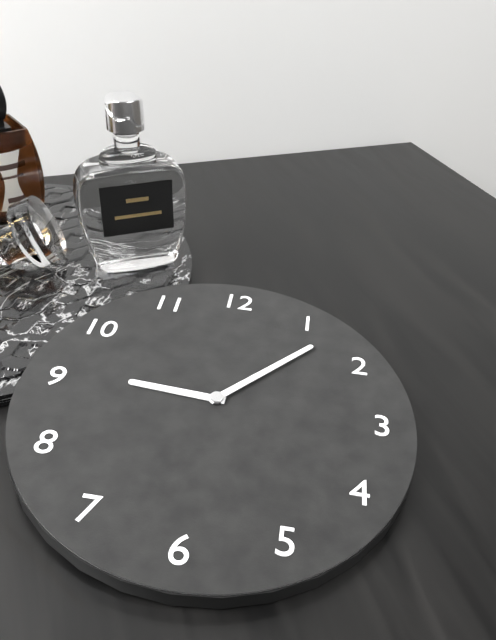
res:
9:07
